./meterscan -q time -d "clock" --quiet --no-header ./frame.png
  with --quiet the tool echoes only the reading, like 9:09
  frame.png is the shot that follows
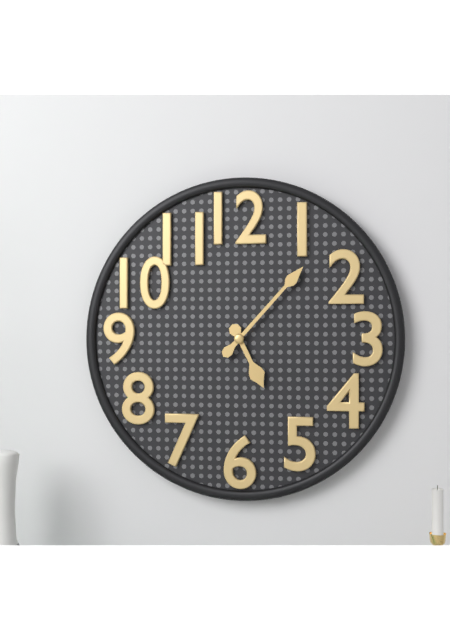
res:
5:07
